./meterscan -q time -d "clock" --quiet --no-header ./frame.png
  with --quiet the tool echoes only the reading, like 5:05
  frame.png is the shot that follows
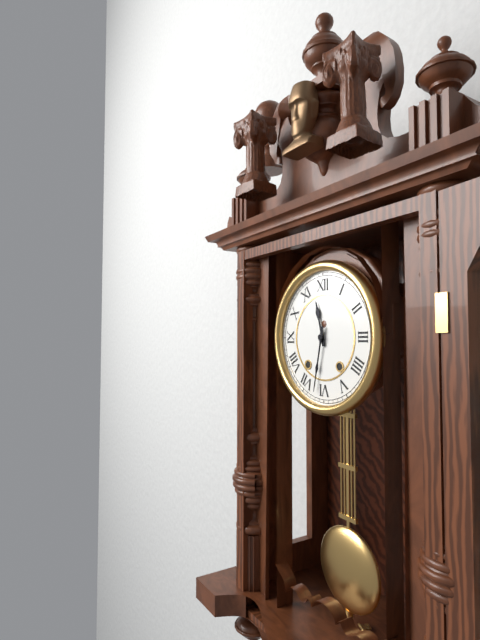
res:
11:32
